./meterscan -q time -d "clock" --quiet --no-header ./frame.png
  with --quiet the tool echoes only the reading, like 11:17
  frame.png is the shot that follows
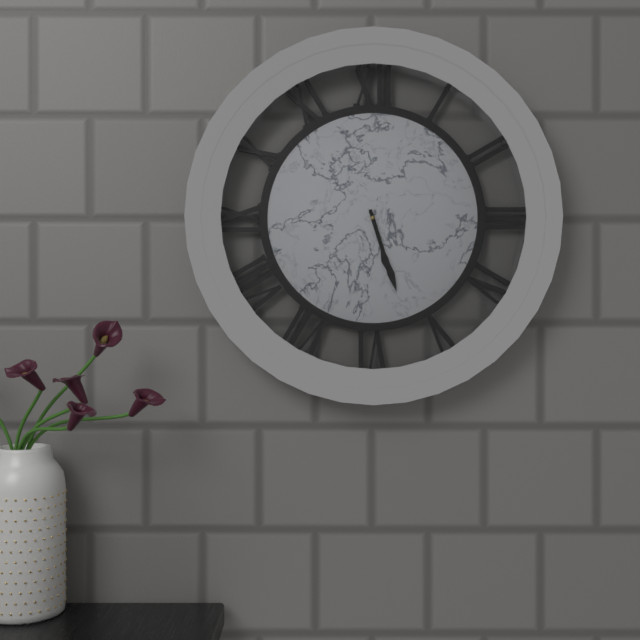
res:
5:27
